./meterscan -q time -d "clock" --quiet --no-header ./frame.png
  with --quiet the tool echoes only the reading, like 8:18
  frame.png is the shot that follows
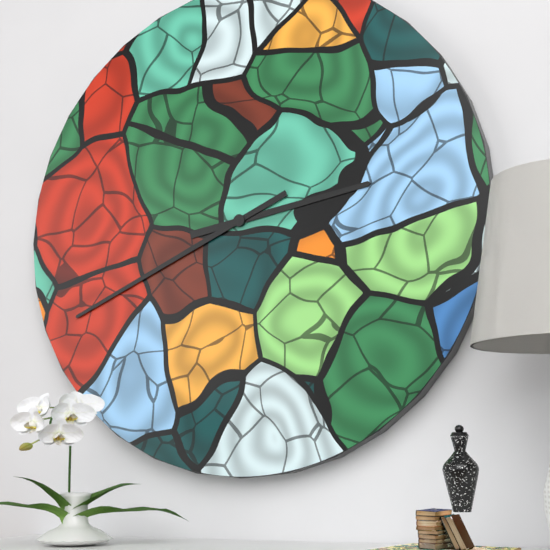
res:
2:41
